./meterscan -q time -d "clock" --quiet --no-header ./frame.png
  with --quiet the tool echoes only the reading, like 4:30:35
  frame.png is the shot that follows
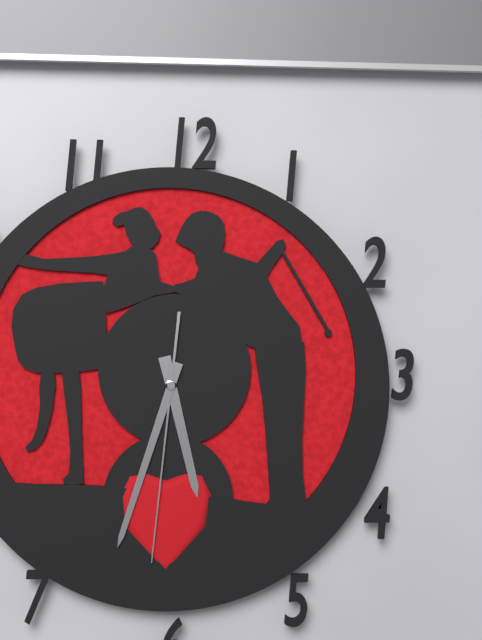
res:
5:33:31
